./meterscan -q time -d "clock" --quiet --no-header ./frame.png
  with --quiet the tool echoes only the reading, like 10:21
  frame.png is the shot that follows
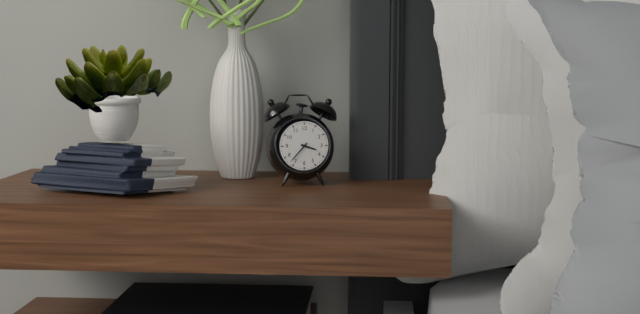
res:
3:37
